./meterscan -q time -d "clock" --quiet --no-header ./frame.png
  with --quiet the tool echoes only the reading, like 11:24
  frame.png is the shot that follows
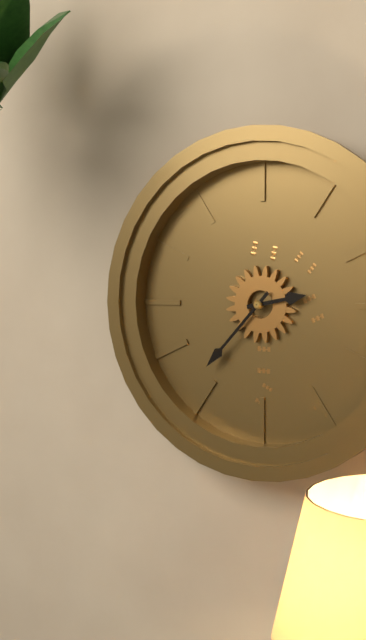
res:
2:37
